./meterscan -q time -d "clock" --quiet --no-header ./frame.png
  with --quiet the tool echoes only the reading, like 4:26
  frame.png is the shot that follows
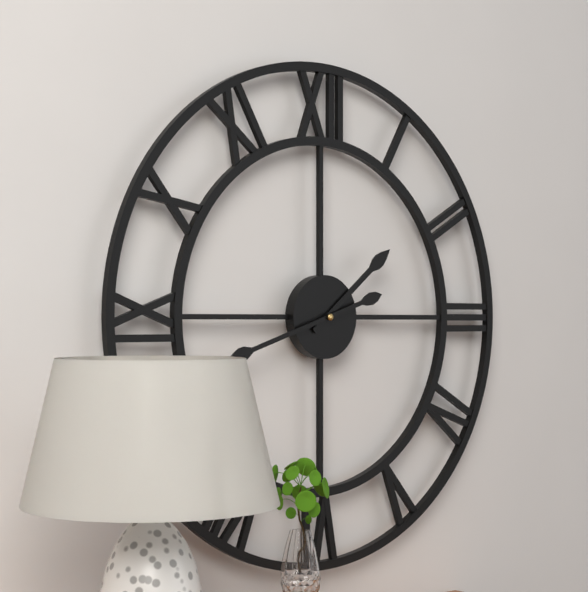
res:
1:42
